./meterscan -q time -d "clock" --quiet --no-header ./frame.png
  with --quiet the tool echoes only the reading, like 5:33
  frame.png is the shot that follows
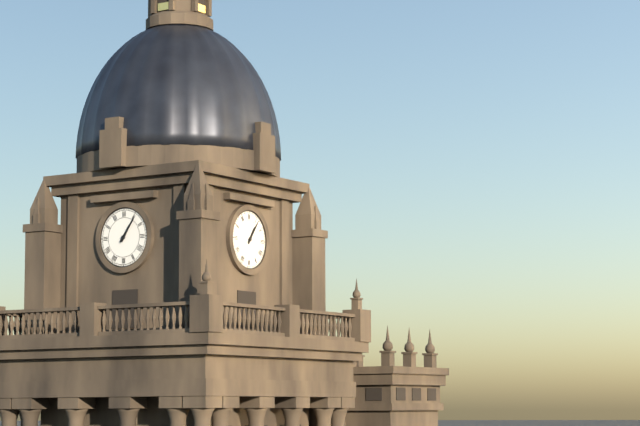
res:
1:06
